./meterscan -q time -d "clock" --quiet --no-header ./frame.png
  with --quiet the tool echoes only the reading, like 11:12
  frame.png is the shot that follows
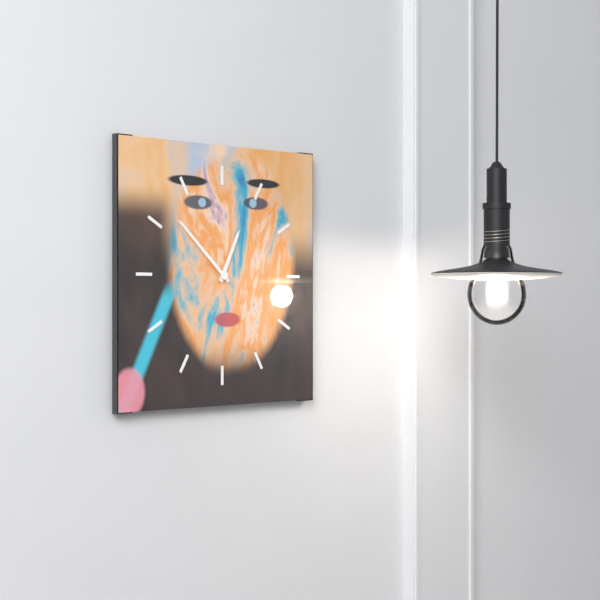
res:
12:52
